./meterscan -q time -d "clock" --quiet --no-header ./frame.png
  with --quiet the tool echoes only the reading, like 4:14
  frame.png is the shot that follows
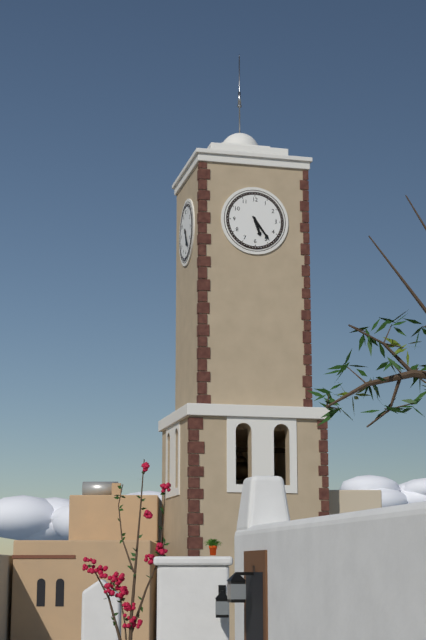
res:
5:24
